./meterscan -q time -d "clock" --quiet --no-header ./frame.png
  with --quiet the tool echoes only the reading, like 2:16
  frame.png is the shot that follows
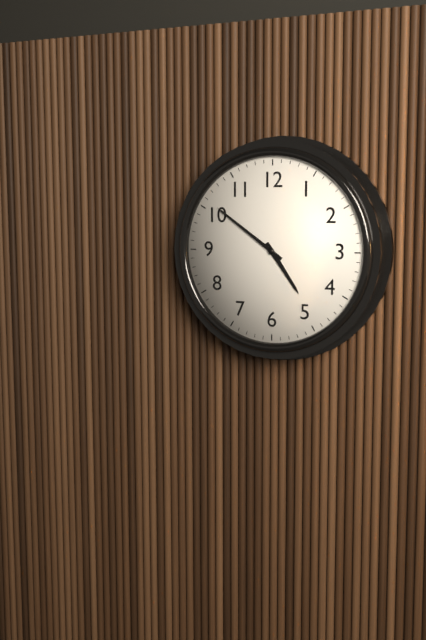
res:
4:51
